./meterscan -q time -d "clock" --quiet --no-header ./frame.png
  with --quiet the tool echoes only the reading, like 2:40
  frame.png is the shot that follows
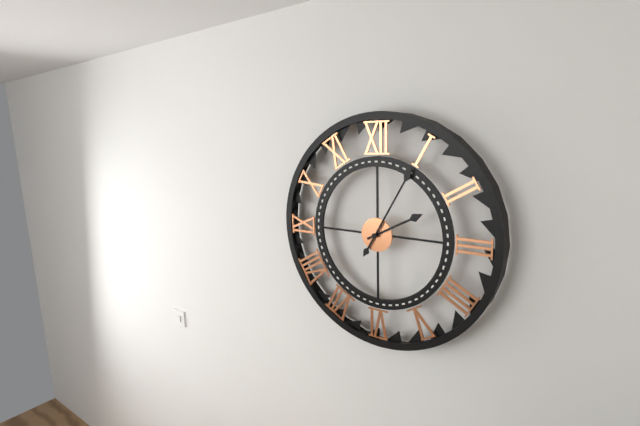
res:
2:05
